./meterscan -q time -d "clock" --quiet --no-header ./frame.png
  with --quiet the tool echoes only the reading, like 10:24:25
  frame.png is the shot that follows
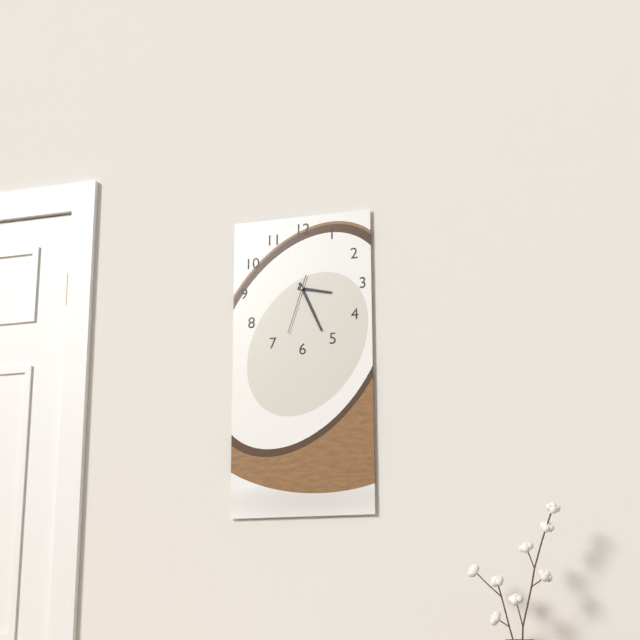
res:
3:26:33
